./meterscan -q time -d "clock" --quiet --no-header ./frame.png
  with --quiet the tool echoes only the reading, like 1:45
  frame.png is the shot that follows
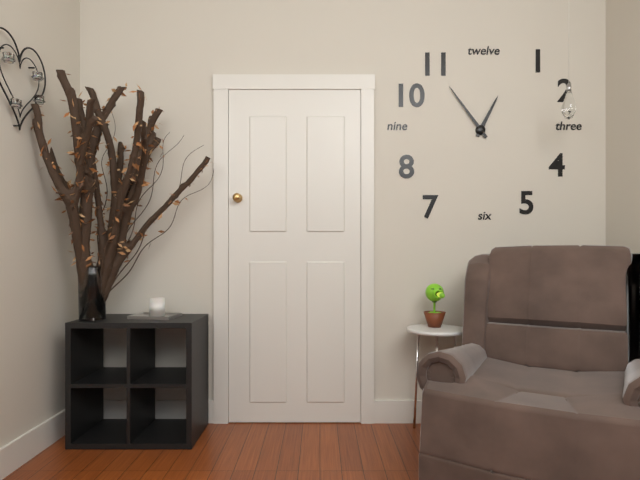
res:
12:54
